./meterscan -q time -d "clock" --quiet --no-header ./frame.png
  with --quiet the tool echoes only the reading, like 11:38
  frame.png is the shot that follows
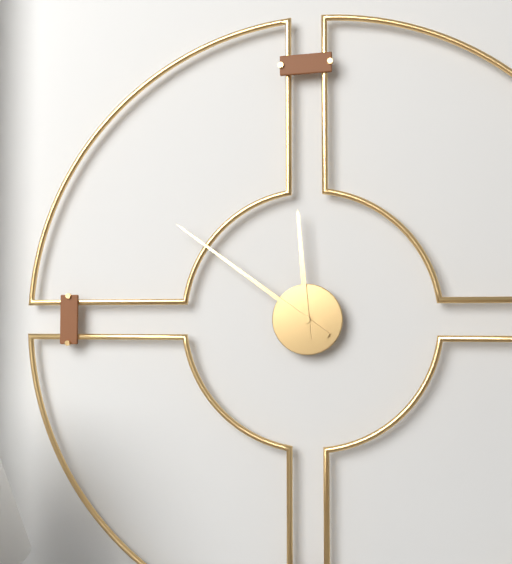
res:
11:51
